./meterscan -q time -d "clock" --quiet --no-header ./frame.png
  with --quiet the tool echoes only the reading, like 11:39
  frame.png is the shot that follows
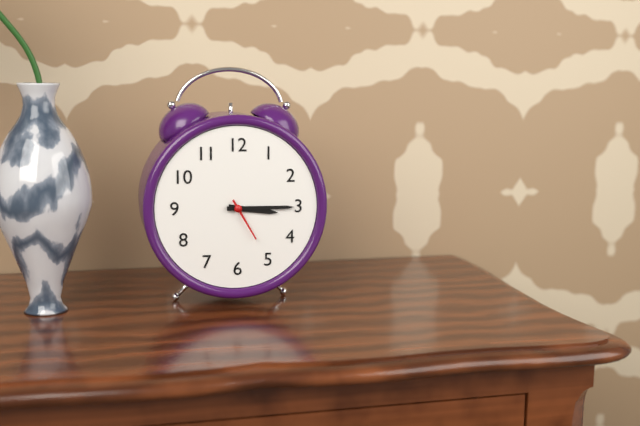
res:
3:15
